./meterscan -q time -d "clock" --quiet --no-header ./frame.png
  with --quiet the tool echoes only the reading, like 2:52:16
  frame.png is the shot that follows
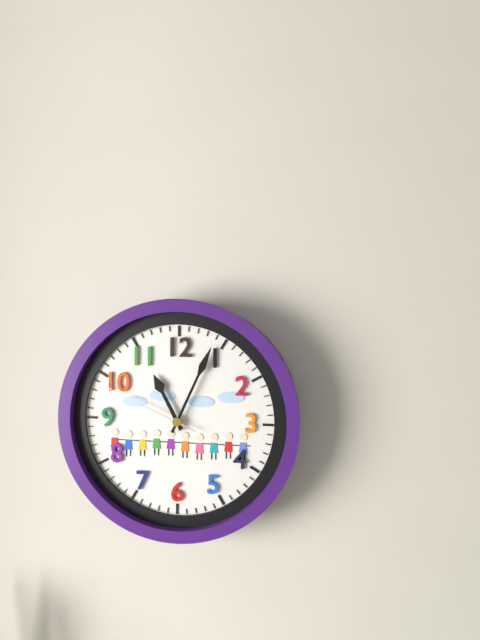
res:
11:04:49
